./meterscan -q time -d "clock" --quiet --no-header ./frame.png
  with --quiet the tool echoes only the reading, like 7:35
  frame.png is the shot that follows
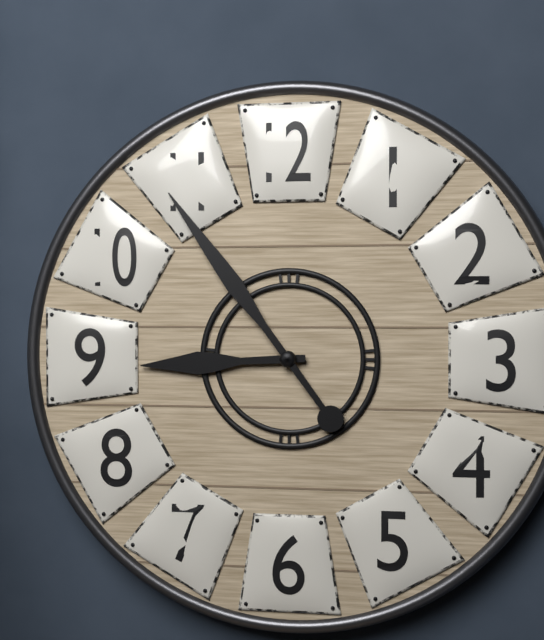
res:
8:54
